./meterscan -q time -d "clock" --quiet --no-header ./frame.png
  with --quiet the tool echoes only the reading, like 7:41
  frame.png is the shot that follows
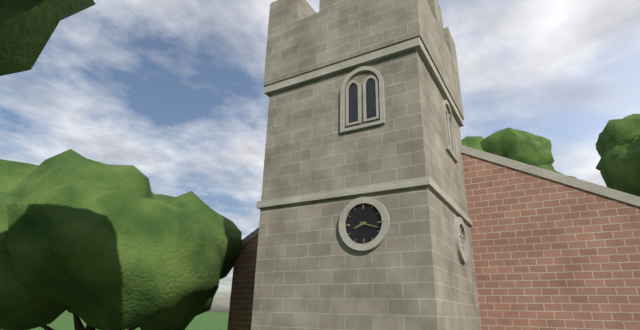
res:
8:18
